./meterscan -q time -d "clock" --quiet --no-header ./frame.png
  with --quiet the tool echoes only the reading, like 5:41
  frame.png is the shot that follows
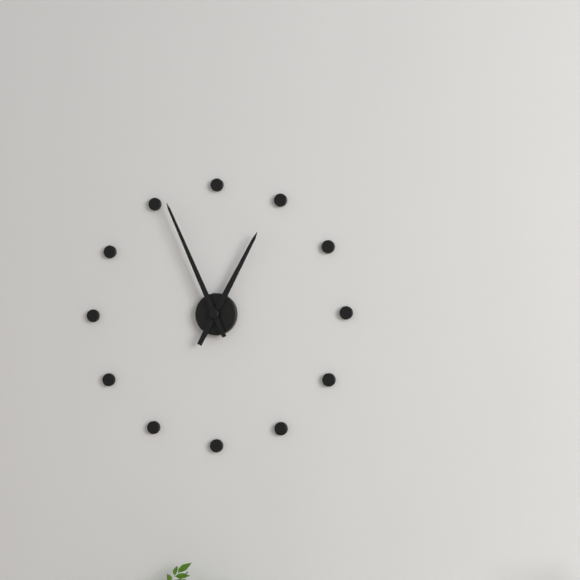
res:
12:56
